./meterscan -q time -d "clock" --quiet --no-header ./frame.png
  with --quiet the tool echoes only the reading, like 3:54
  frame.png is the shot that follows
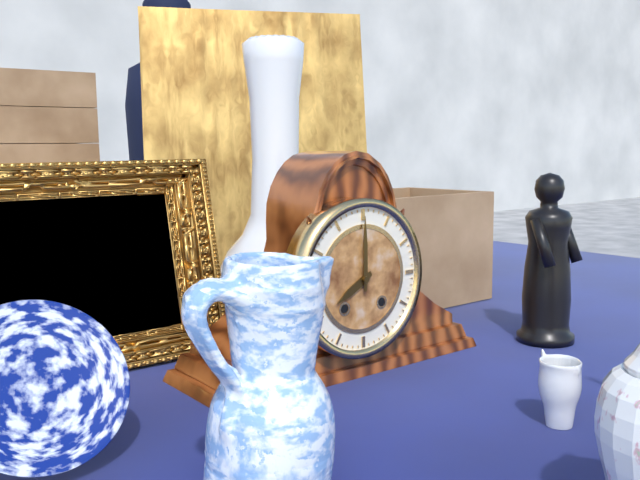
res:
8:00
